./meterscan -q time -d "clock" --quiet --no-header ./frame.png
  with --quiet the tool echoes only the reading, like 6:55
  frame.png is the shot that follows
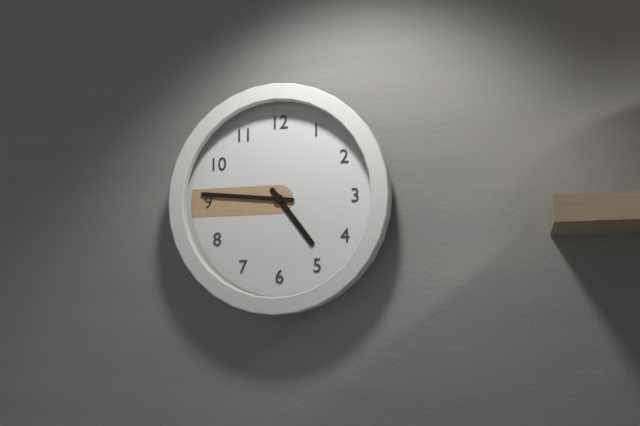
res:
4:46
